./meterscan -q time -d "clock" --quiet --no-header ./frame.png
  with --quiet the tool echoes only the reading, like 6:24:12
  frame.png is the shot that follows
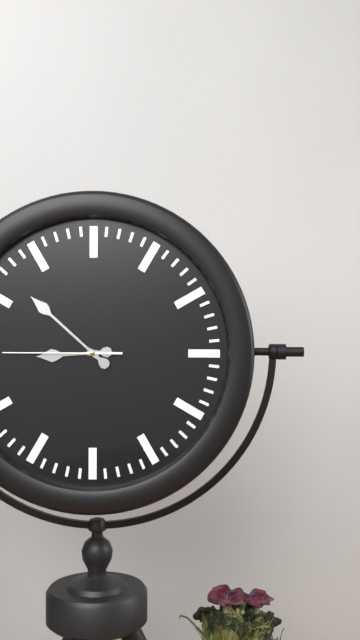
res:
8:52:45
